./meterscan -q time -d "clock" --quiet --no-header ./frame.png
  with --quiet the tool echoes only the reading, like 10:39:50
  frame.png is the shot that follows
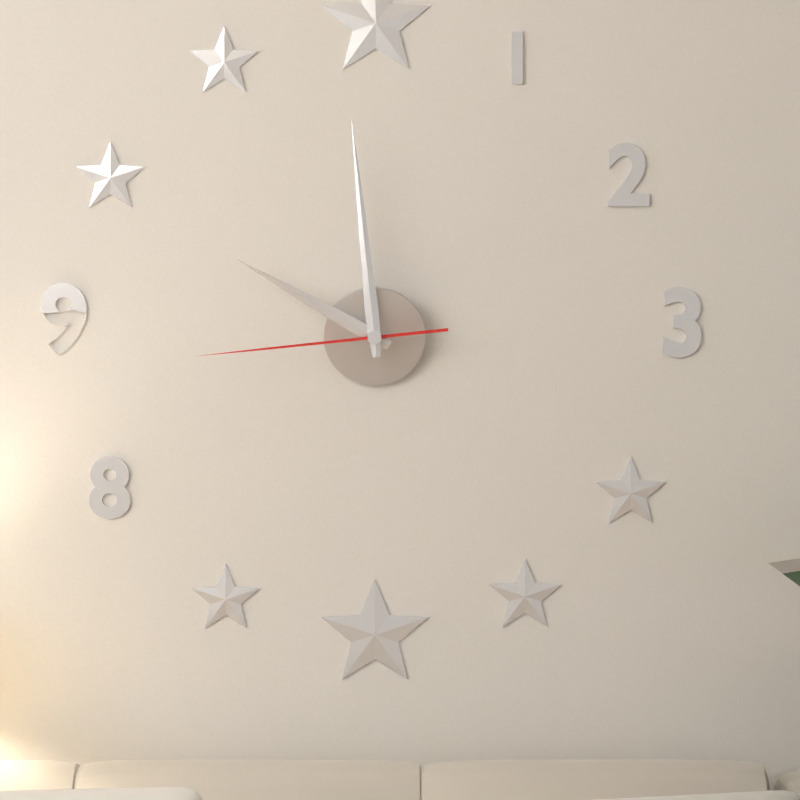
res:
9:59:44
